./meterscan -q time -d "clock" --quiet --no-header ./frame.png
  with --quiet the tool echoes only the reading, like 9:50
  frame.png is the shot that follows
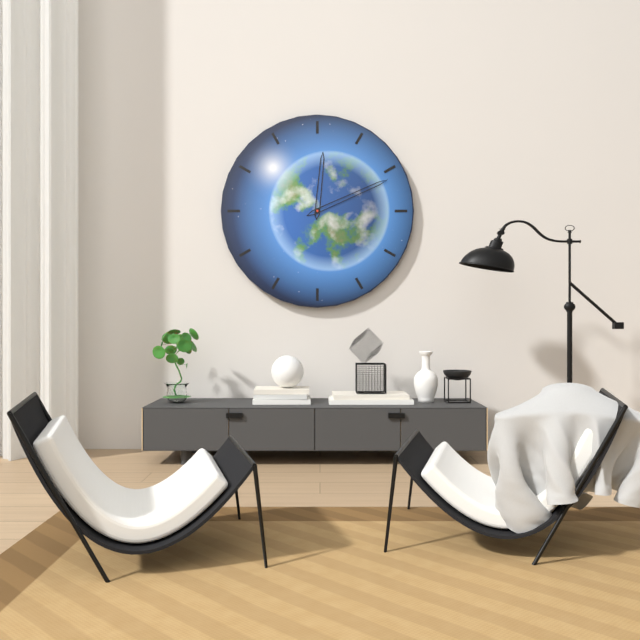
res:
12:11
